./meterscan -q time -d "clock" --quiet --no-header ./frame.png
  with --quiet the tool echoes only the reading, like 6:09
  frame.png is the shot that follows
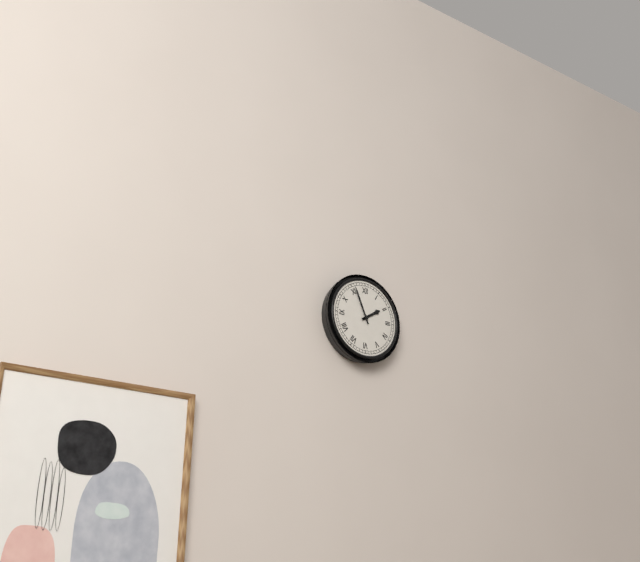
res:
1:56
